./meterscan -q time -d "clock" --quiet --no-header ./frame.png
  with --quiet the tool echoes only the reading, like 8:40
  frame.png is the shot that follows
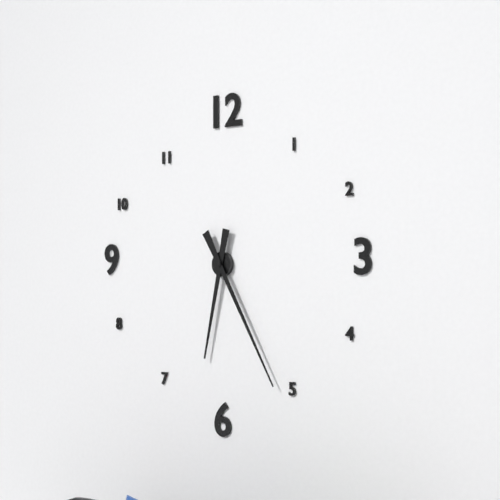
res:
6:25
